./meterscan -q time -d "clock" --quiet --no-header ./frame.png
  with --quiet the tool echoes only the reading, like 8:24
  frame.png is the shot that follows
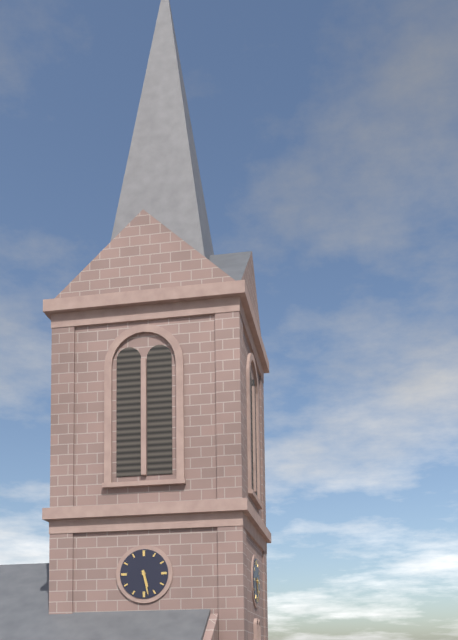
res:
5:28
